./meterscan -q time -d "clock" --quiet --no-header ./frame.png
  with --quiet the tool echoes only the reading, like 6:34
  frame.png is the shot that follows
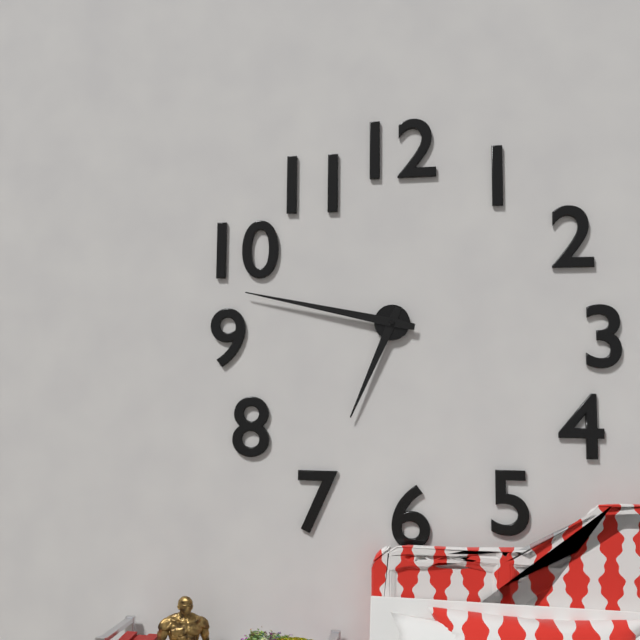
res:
6:47
